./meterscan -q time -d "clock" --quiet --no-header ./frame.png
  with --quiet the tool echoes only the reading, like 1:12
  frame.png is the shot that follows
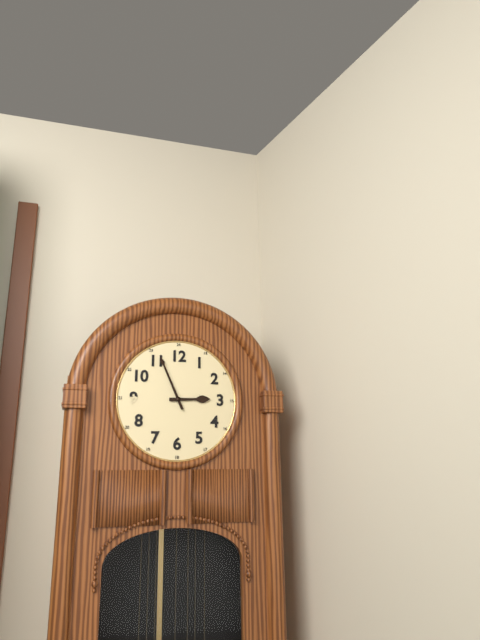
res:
2:56
